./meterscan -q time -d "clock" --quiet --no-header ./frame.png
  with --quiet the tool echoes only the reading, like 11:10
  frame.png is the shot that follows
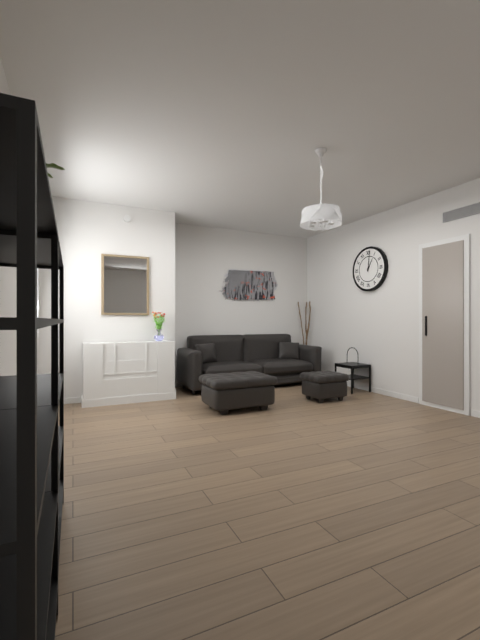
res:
1:01
